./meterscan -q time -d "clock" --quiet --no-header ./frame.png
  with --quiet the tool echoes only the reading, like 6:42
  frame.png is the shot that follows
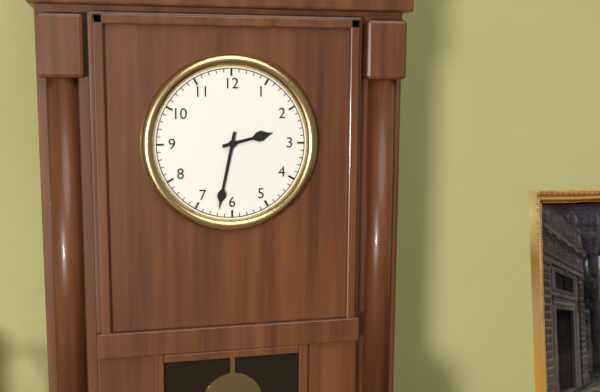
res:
2:32
